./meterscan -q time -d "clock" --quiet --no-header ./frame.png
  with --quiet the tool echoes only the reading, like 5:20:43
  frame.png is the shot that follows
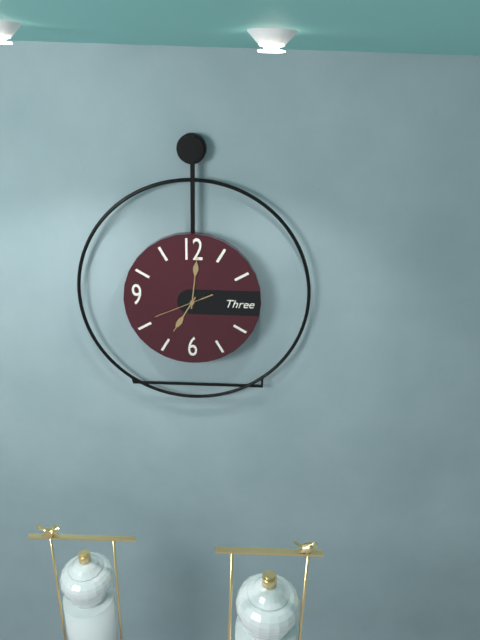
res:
7:01:41
